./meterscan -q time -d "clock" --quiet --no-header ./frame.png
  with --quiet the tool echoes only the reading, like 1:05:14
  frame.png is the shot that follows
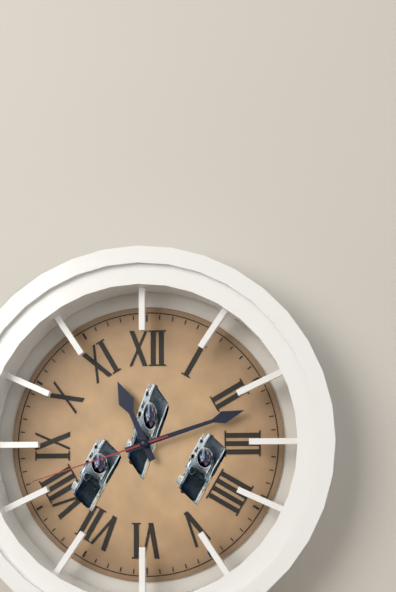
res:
11:12:42
